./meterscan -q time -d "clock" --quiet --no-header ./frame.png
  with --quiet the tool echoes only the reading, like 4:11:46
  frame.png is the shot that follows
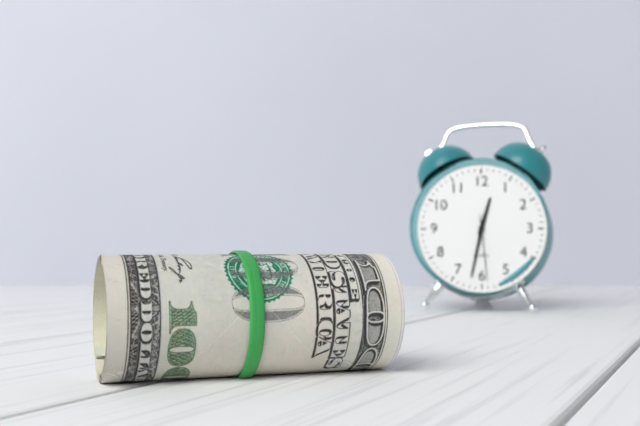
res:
12:32:29
